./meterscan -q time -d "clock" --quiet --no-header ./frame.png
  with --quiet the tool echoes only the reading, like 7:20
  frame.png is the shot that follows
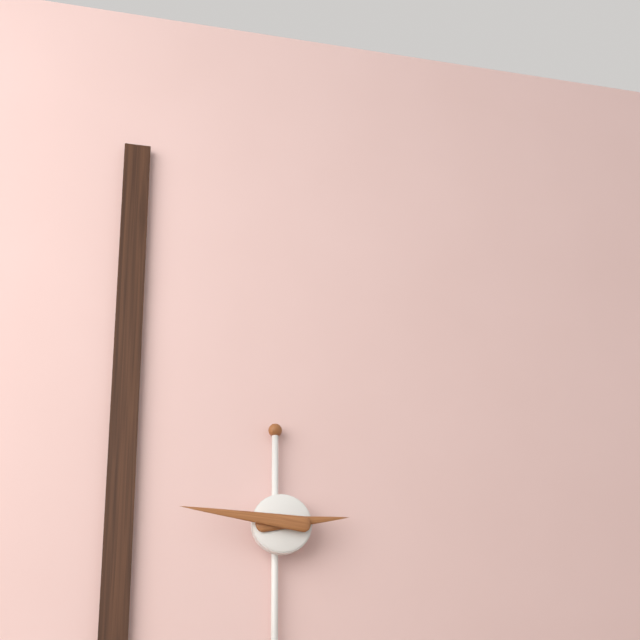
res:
2:46
